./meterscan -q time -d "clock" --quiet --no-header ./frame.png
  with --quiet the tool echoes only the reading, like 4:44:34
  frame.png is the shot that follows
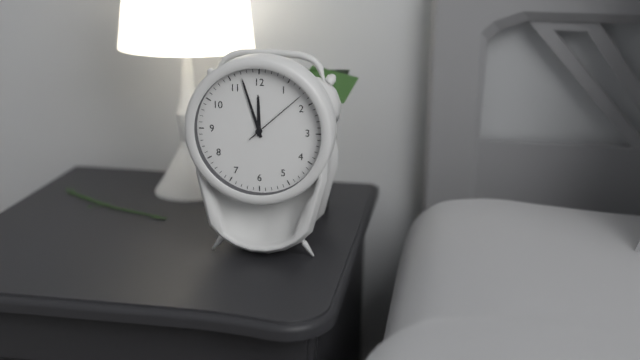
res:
11:57:08
